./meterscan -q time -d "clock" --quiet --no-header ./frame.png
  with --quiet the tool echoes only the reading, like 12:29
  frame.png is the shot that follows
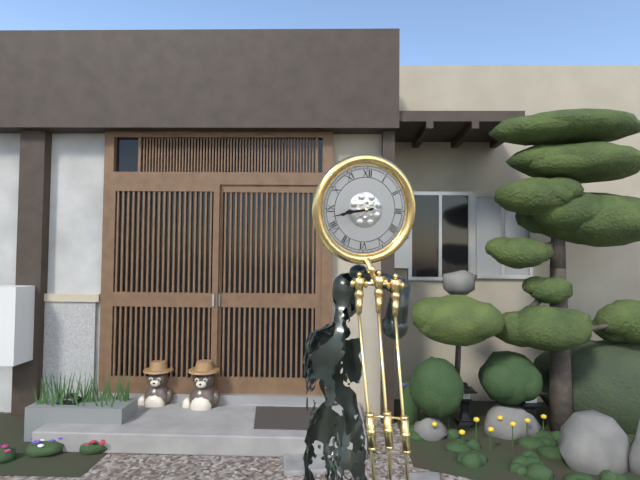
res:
8:43
